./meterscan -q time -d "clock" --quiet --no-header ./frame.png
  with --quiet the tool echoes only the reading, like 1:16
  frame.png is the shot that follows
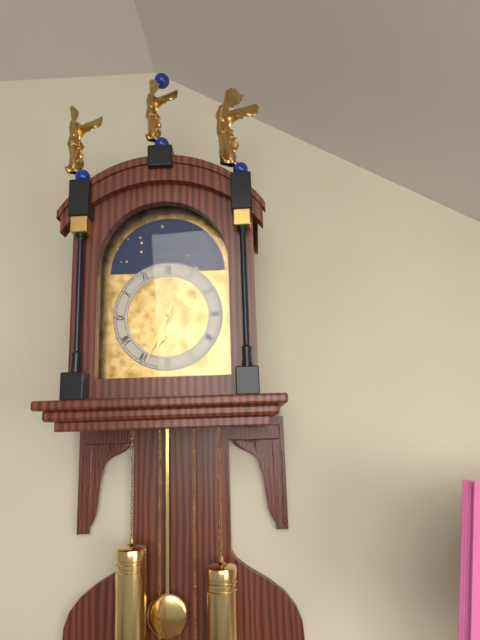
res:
6:34
